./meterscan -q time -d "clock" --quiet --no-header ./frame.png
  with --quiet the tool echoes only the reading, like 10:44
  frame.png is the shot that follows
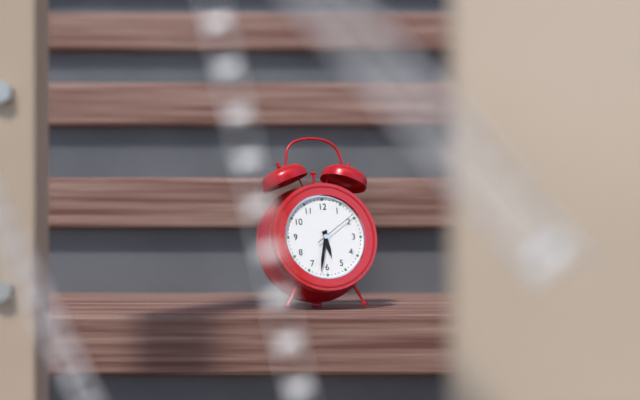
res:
5:32
